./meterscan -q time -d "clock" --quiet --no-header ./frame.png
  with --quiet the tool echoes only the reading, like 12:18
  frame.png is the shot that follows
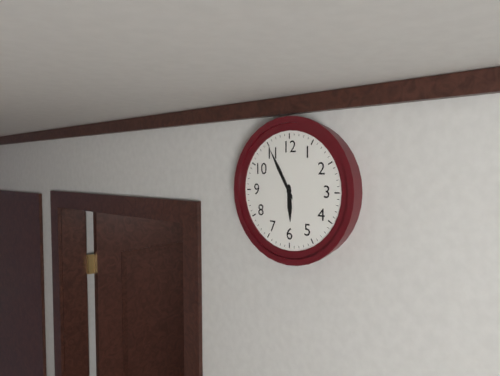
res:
5:55
